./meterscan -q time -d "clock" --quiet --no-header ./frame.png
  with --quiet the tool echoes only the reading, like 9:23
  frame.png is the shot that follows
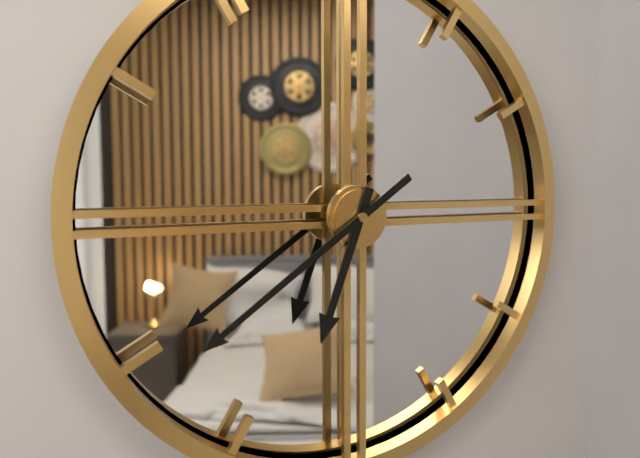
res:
6:39
